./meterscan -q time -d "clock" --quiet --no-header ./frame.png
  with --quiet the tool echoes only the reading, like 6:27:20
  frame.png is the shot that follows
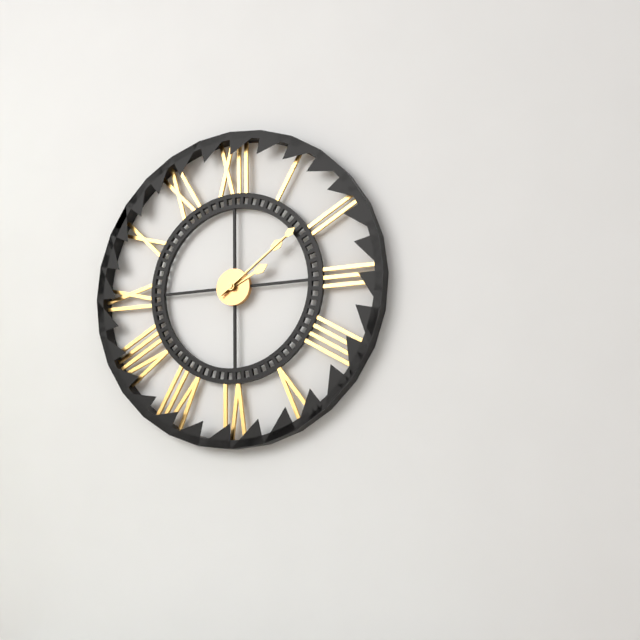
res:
2:09:09
